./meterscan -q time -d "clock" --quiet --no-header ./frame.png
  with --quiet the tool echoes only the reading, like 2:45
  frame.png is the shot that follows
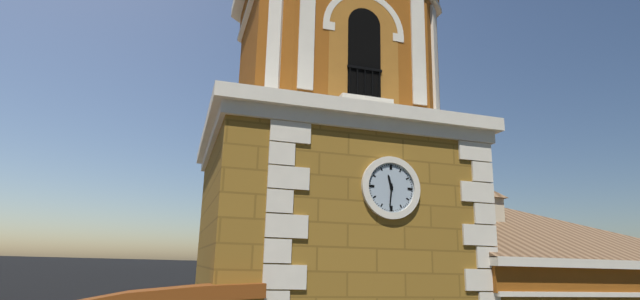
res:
11:31
